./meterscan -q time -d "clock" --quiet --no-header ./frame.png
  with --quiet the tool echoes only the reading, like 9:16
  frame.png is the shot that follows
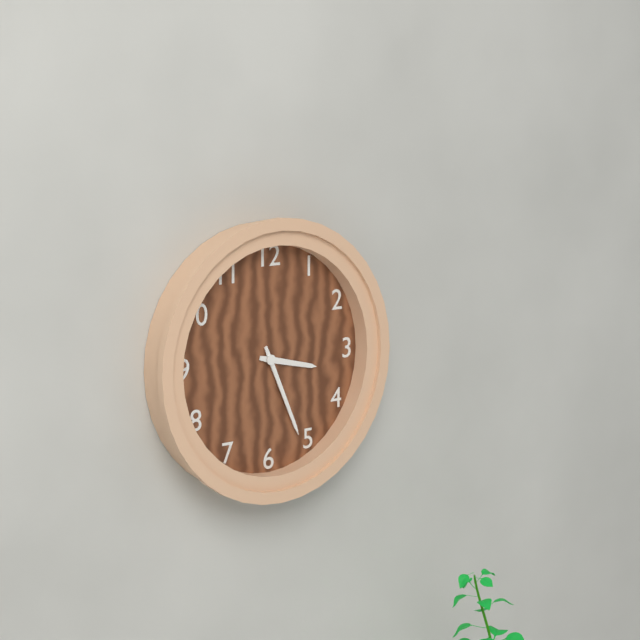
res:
3:26
